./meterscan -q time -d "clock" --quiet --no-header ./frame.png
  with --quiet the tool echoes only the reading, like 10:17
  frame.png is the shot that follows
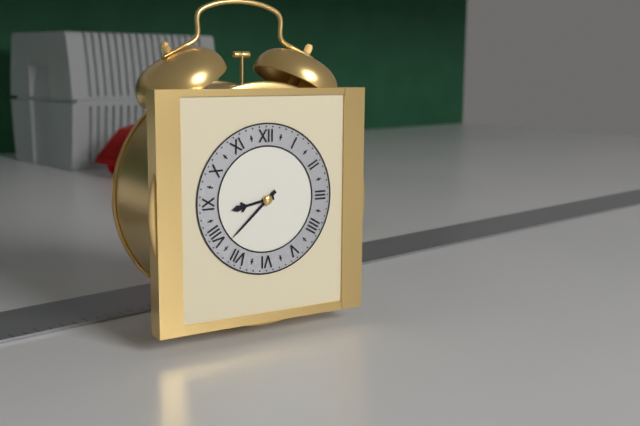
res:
8:38
